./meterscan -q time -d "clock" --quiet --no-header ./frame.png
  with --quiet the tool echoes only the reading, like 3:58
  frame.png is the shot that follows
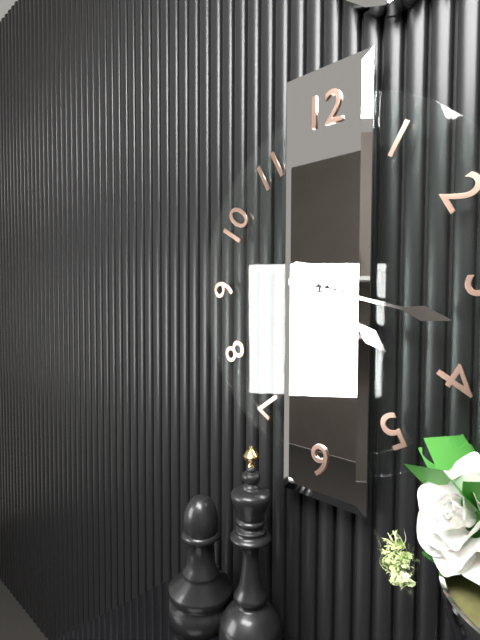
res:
4:17
